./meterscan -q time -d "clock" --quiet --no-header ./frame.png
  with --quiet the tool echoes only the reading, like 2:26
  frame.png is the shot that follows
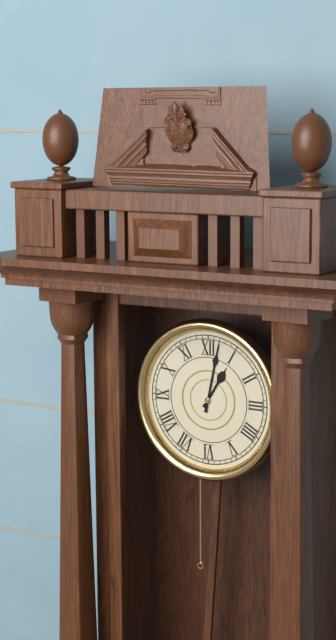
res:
1:02
